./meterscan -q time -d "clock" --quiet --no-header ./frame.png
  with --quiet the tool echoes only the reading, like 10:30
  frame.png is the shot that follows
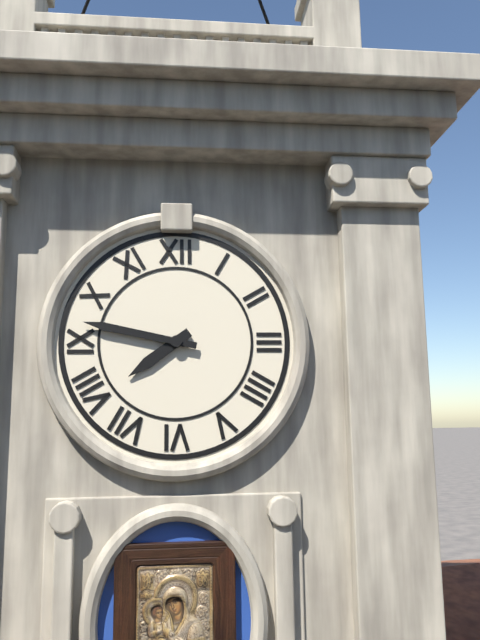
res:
7:47
